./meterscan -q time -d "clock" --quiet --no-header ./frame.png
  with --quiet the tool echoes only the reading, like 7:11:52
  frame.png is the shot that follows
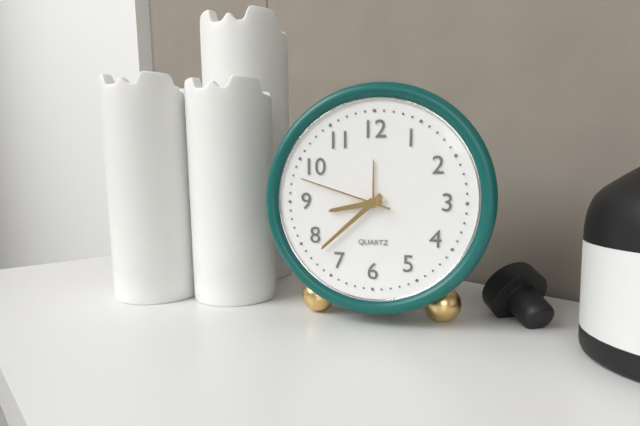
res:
8:38:48
